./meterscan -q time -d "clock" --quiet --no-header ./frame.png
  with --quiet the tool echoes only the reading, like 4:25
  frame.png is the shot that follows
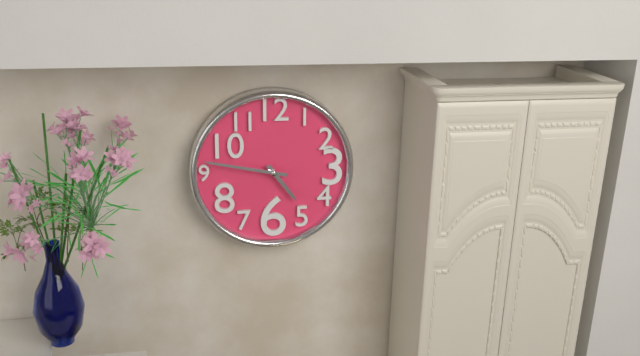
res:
4:47
